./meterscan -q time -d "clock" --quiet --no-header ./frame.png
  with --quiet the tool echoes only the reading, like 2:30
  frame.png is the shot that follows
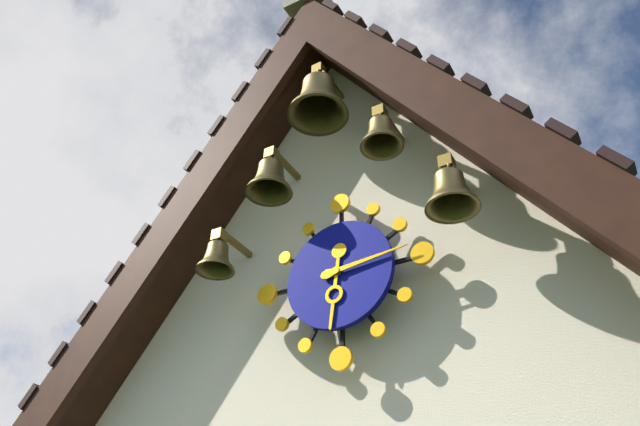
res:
6:14
